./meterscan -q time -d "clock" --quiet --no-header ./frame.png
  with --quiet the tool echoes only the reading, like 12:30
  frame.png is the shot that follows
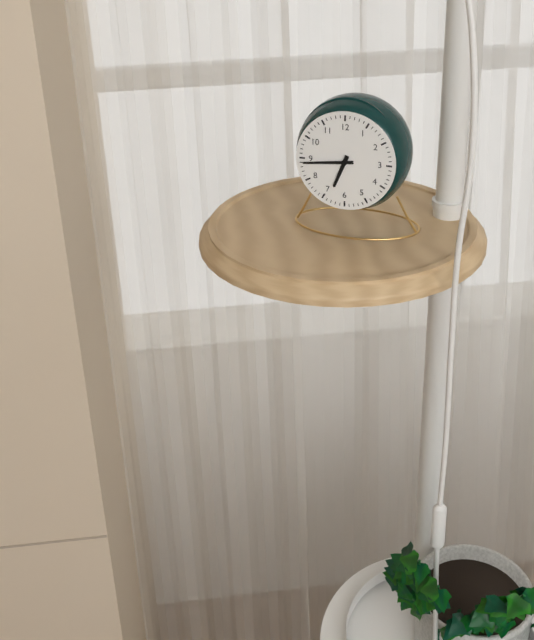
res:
6:44
